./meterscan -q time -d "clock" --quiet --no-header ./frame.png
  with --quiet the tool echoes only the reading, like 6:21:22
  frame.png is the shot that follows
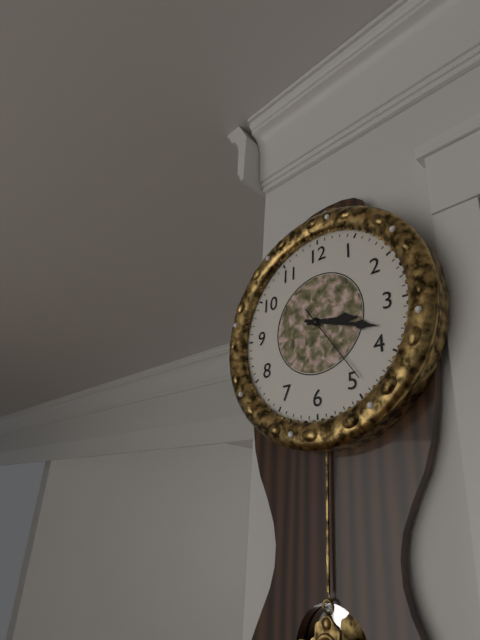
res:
3:18:24
